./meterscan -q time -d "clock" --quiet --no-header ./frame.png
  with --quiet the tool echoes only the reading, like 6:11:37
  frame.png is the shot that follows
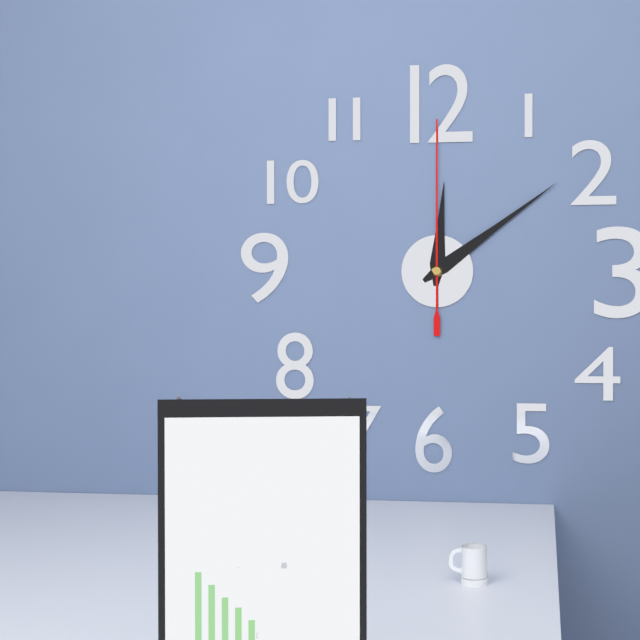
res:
12:09:00
